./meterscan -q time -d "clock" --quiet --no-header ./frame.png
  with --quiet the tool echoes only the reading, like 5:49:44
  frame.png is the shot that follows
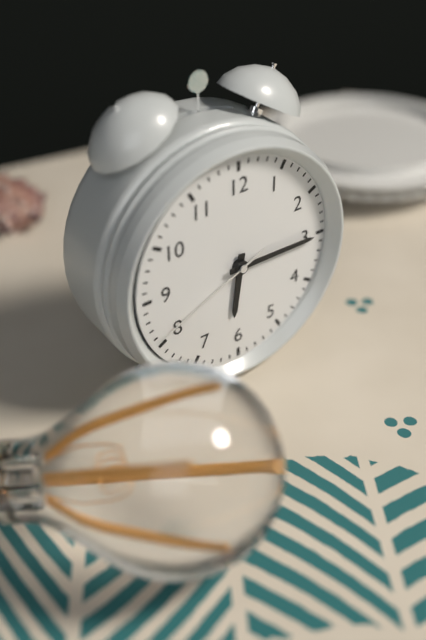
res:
6:15:41
